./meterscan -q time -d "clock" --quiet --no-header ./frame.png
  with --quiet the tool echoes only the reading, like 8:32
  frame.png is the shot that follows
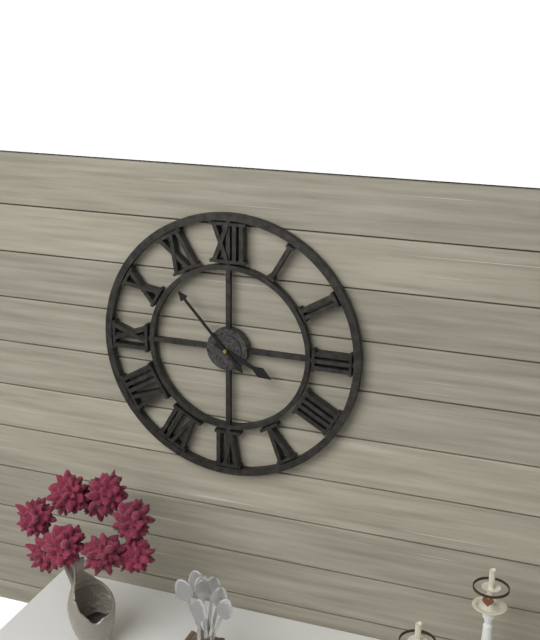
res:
3:53
